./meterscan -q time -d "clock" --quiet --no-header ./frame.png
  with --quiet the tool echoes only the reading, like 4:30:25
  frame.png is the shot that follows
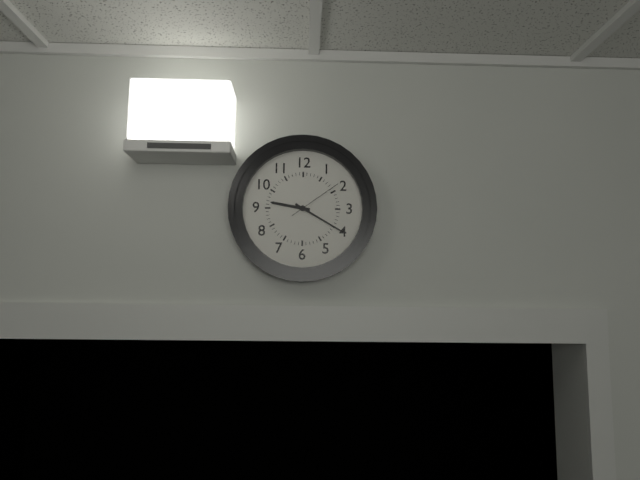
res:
9:20:09
